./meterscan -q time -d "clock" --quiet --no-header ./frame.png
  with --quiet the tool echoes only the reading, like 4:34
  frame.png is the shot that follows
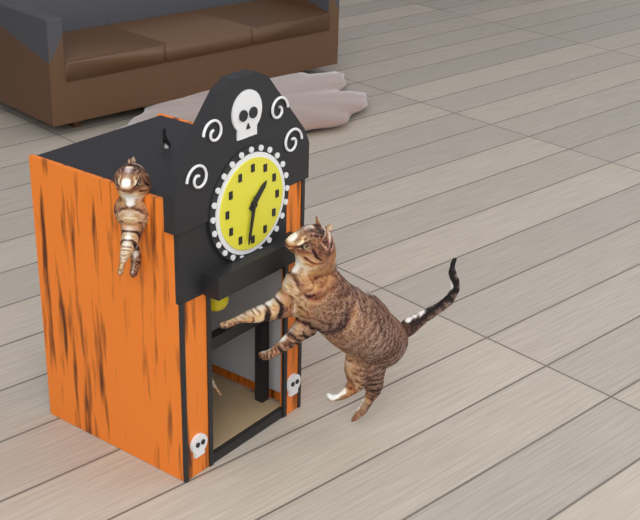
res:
1:32
